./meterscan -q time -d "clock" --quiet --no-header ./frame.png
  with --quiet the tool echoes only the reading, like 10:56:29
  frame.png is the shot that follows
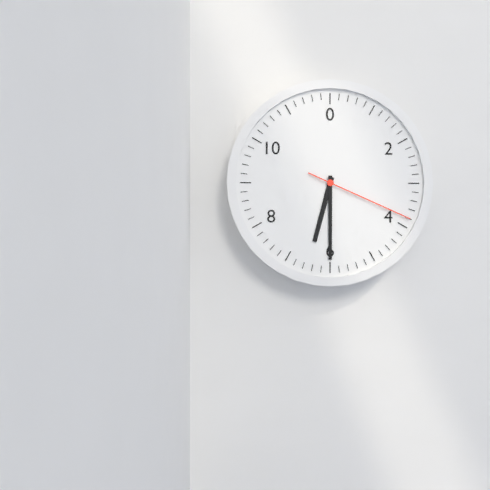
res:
6:30:19
